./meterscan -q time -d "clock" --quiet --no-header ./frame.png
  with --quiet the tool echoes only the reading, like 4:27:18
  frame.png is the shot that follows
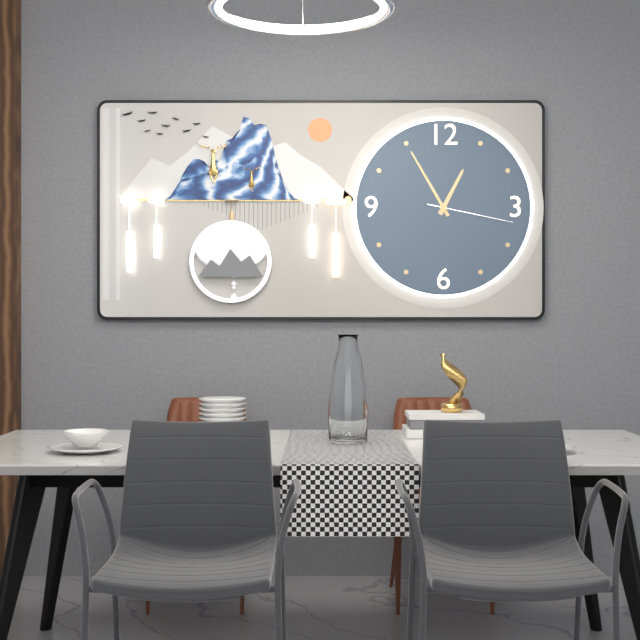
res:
12:55:17
